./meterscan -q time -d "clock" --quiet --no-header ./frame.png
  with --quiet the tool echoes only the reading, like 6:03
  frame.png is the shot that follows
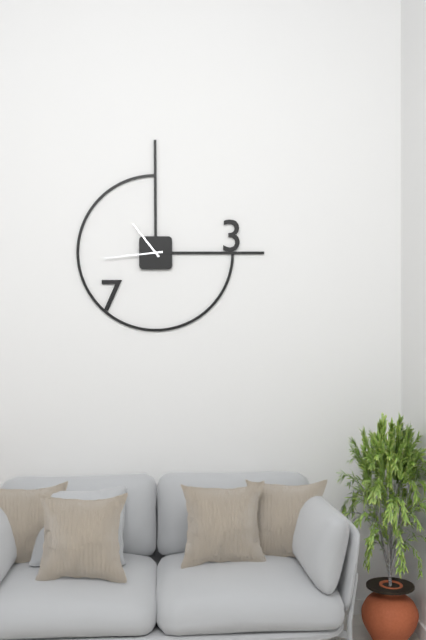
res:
10:44
